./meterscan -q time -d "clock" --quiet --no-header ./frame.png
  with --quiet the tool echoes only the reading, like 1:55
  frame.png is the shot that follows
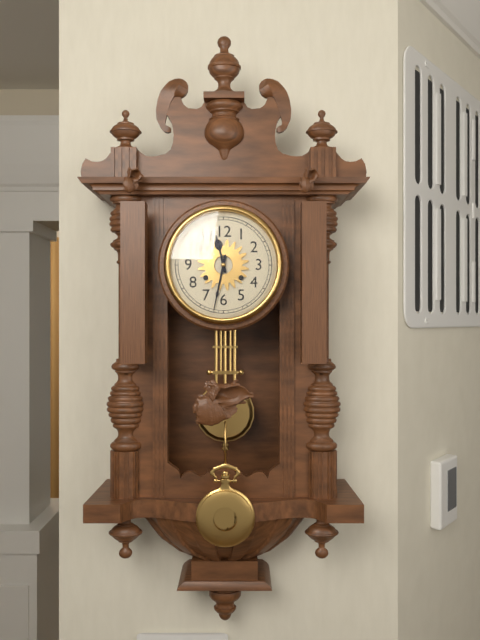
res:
11:32
